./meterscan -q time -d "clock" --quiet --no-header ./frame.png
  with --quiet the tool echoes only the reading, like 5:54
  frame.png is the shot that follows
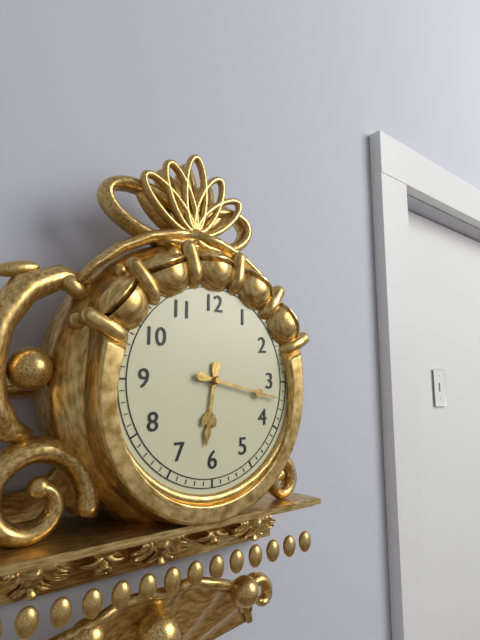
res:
6:17
